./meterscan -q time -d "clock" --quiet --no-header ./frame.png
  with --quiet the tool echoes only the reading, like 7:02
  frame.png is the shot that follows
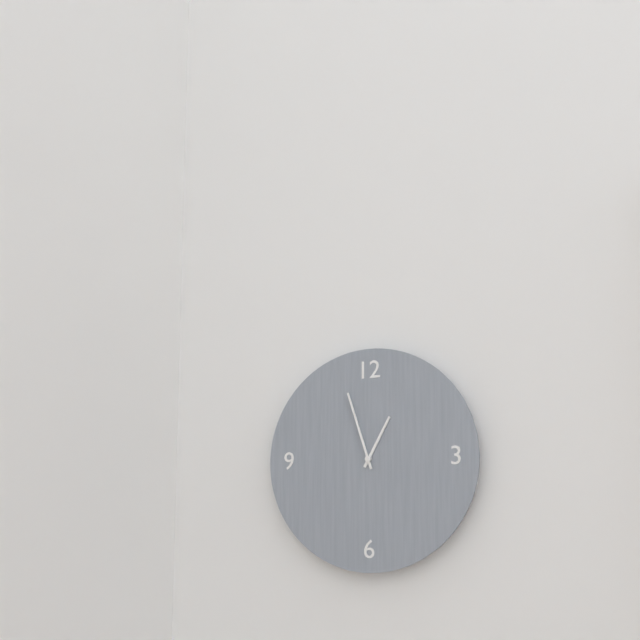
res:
12:57
